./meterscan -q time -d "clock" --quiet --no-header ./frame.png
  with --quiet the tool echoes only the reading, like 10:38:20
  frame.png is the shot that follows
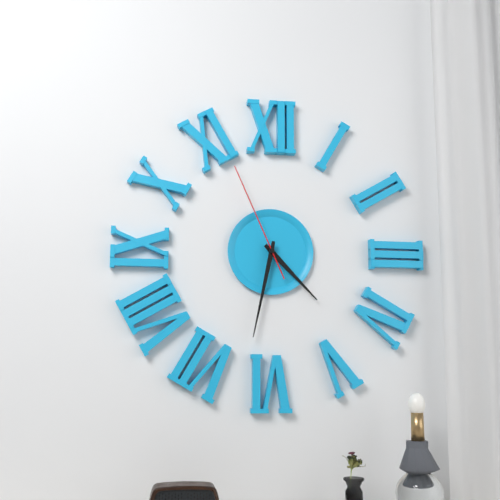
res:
4:32:56
